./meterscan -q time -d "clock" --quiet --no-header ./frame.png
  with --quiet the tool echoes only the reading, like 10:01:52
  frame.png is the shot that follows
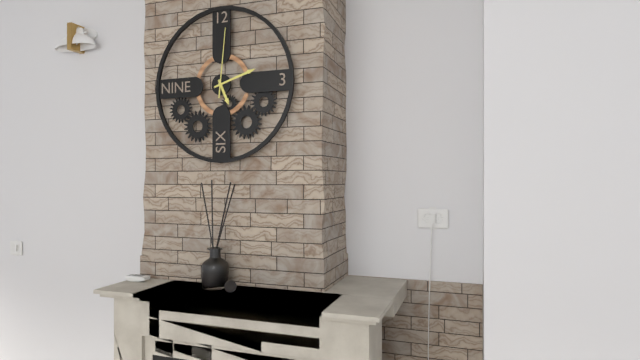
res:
5:12:01
